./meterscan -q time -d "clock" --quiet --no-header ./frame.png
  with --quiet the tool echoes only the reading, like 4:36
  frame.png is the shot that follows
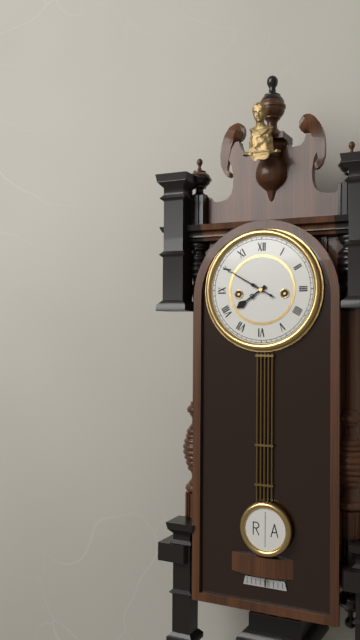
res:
7:50
